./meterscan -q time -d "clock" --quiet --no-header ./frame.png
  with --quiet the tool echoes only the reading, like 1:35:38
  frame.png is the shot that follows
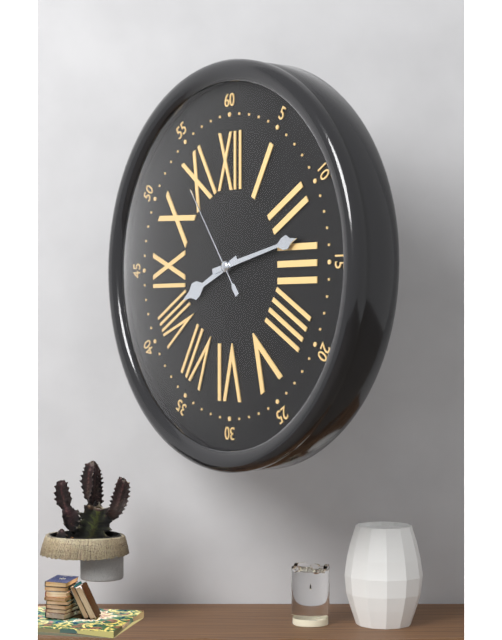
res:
8:13:54
